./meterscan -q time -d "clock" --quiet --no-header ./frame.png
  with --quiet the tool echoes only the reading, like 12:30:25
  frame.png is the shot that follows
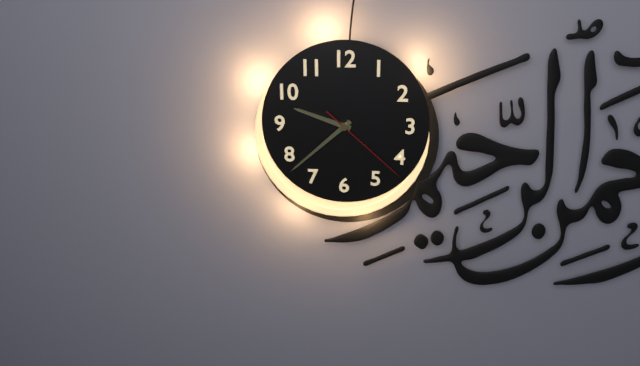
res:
9:38:22
